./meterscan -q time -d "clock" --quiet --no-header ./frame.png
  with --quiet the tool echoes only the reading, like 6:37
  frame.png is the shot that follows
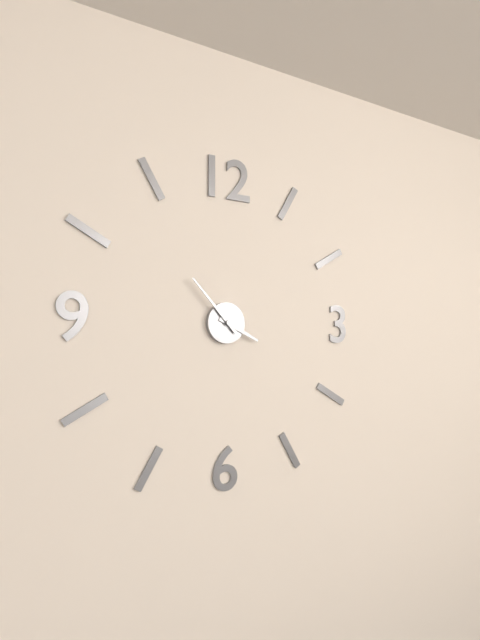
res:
3:53
